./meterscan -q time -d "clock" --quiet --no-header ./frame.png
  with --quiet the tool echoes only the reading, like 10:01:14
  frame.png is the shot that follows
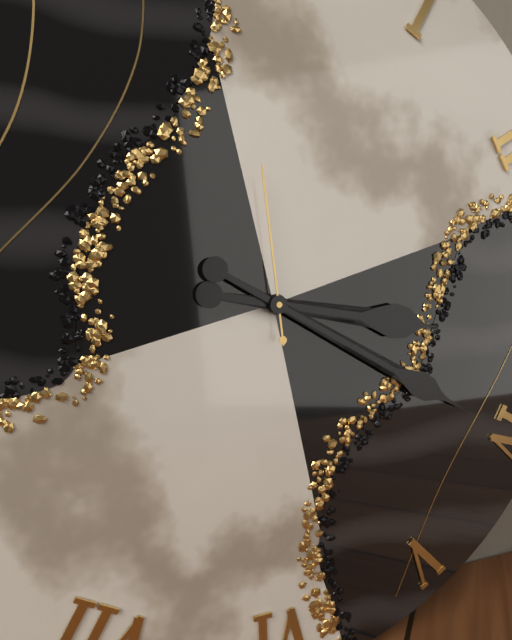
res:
3:20:59
